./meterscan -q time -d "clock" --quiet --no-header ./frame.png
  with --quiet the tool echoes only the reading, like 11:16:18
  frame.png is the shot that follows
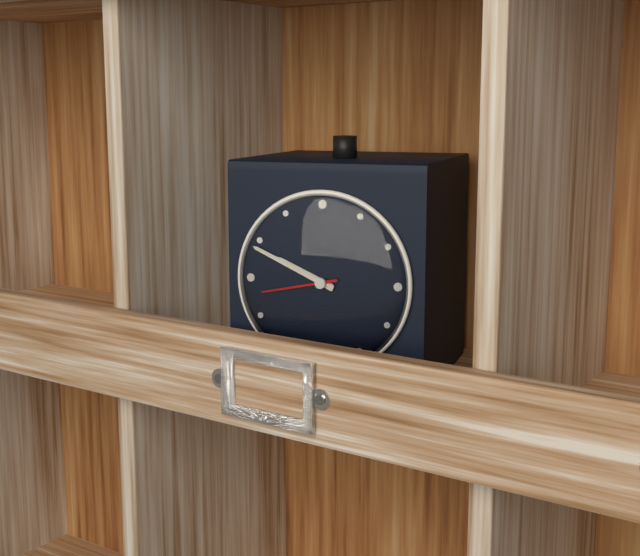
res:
9:49:43
